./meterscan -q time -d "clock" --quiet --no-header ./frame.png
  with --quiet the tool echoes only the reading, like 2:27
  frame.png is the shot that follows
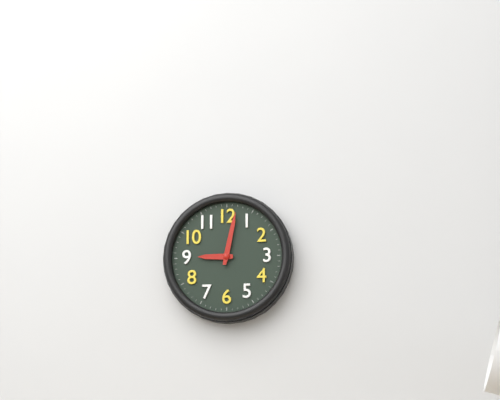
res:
9:02
